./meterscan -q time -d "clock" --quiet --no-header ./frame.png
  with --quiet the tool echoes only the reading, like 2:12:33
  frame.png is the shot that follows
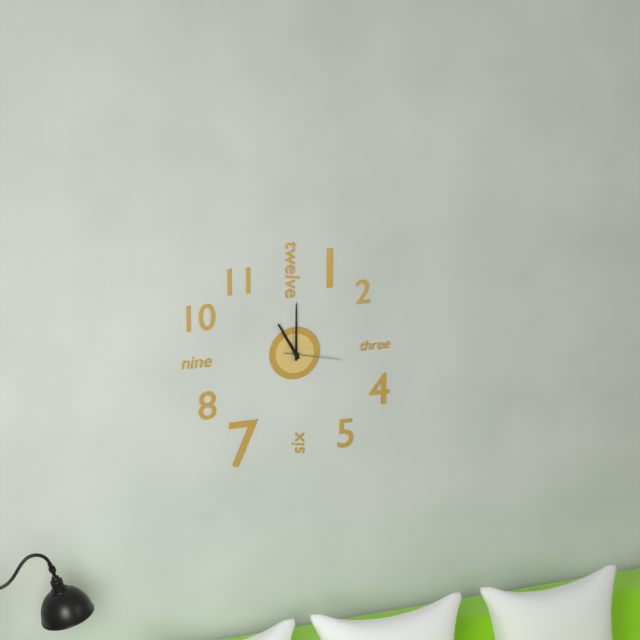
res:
11:00:17
